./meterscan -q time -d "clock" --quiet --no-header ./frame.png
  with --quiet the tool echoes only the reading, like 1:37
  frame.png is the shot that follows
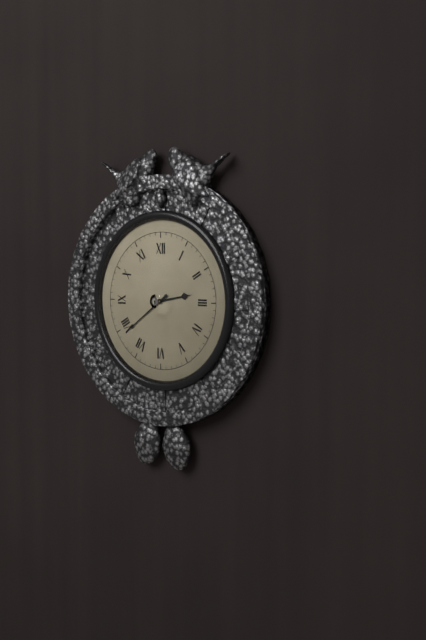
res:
2:39
